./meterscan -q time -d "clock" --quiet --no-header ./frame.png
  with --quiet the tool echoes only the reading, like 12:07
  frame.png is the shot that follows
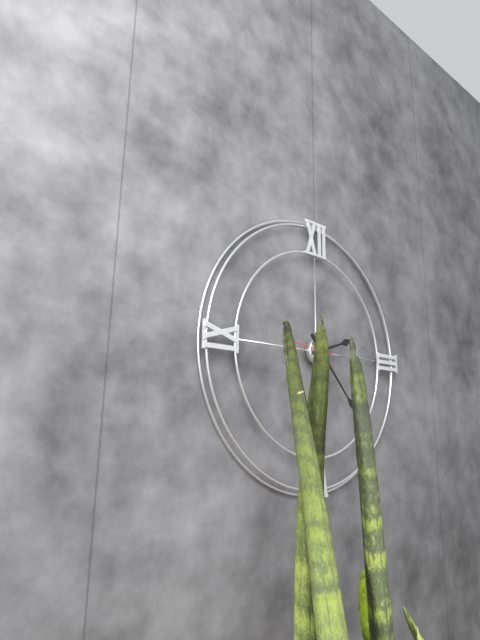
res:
2:23
